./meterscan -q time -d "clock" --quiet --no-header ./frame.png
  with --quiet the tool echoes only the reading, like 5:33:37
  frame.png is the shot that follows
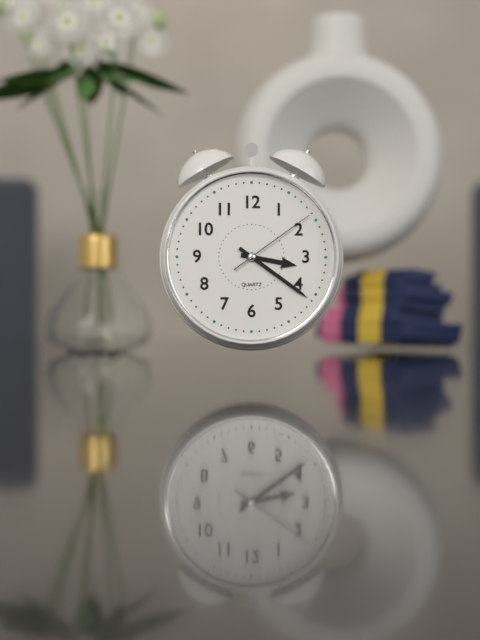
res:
3:21:09
